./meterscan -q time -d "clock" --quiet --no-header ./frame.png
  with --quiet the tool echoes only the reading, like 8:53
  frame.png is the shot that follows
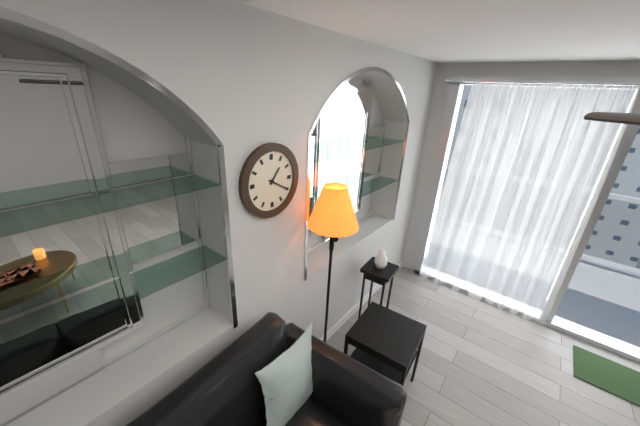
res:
1:20
